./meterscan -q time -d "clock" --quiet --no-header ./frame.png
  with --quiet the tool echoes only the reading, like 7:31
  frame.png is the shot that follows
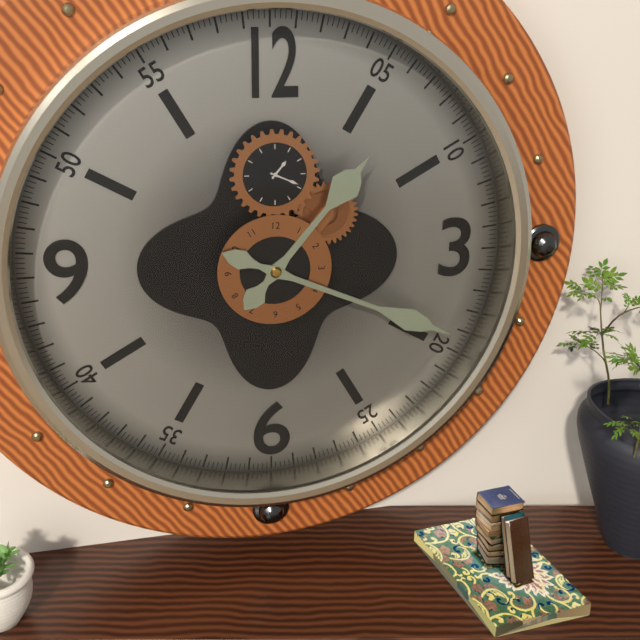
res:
1:19
